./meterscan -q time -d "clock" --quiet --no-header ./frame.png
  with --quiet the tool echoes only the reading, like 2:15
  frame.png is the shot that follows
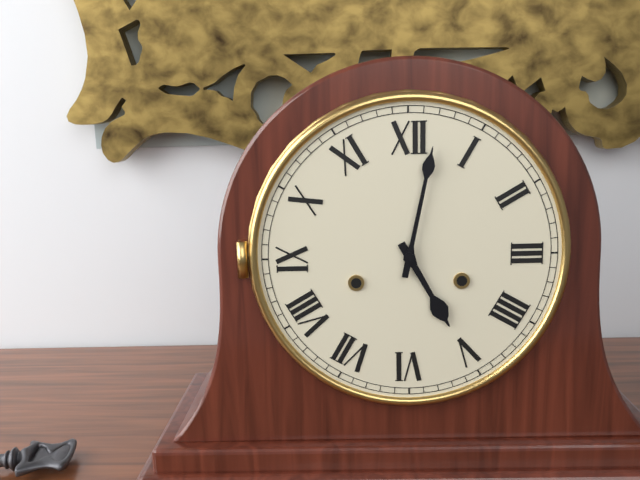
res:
5:02
